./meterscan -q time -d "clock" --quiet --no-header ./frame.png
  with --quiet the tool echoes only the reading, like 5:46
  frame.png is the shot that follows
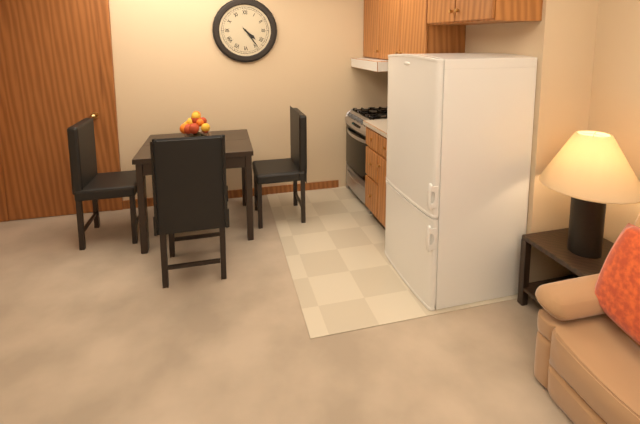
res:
4:24
